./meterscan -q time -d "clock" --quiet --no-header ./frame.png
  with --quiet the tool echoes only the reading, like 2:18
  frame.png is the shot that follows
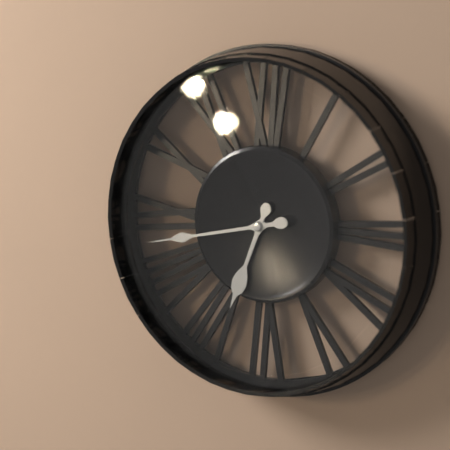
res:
6:43
